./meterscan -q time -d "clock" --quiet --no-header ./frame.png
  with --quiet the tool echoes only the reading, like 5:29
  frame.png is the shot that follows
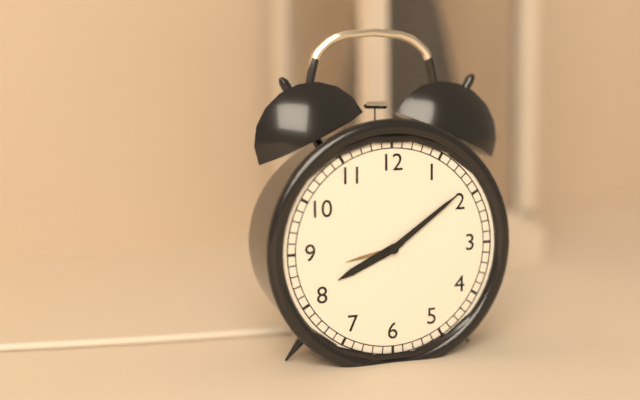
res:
8:09
